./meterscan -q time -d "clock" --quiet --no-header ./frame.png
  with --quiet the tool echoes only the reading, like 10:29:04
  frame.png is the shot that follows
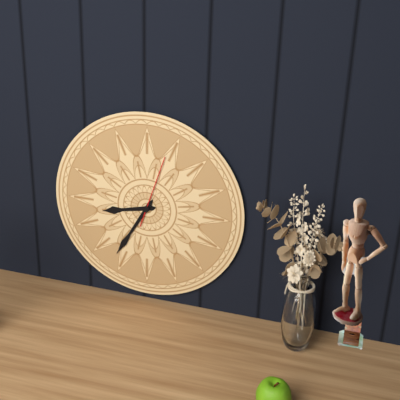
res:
8:35:03
